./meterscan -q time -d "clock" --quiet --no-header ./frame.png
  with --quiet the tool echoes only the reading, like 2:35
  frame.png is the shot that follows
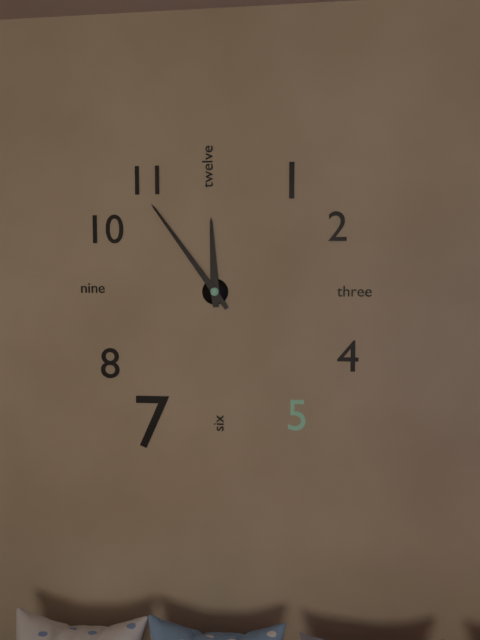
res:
11:54
